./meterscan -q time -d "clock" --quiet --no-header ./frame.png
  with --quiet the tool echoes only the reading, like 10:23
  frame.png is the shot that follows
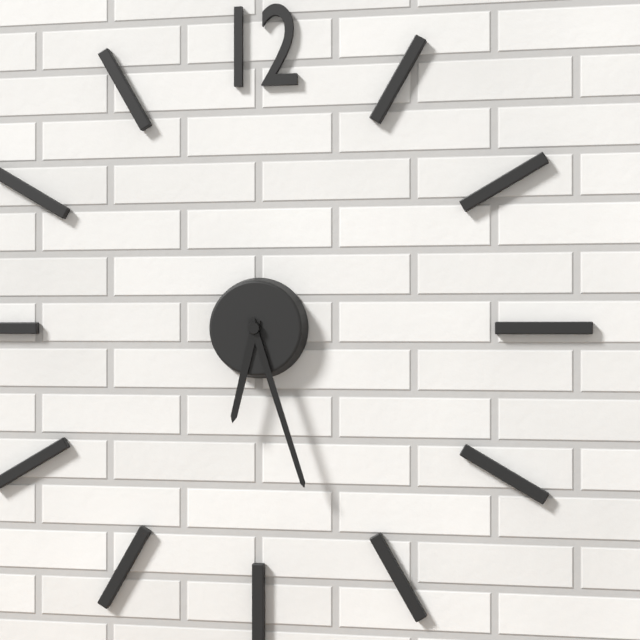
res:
6:27
